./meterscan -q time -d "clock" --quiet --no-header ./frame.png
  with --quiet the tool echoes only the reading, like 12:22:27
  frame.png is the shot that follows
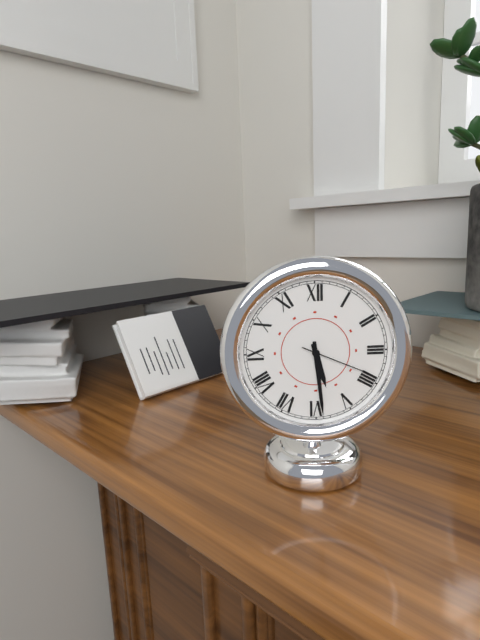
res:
5:29:19
